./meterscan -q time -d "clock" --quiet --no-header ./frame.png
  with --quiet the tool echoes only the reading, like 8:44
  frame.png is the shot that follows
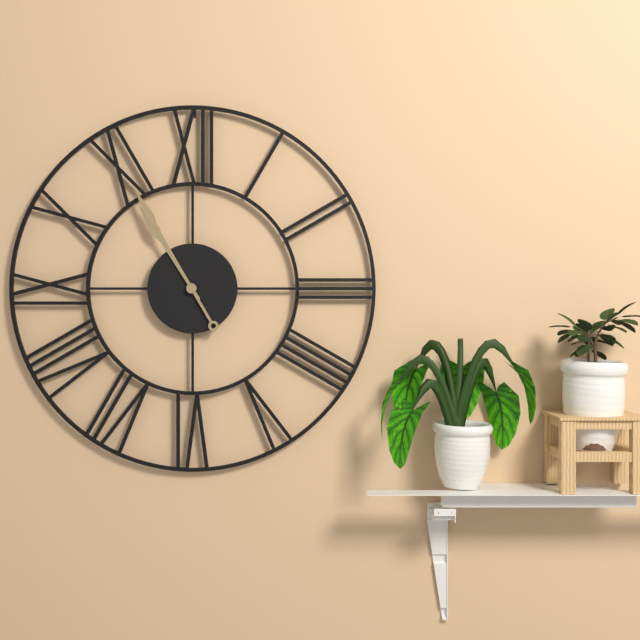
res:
10:55
